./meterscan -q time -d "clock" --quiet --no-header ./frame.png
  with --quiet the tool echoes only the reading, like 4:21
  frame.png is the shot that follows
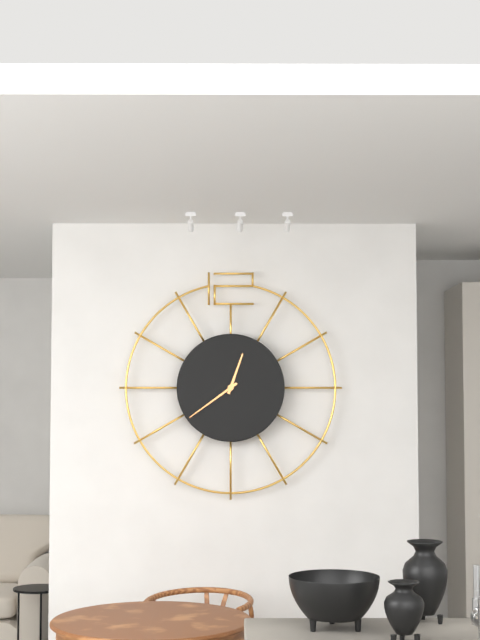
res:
12:39
